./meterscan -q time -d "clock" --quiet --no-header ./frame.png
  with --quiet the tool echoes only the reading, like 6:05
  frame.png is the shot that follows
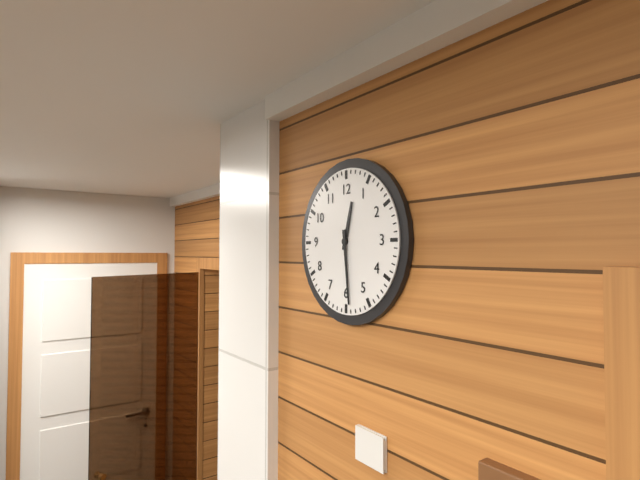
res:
12:29
